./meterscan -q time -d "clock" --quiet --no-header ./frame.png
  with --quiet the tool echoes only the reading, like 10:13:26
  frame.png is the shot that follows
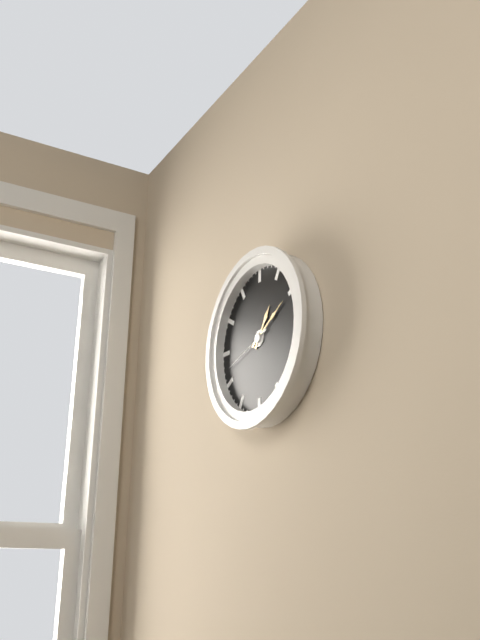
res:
1:10:42
